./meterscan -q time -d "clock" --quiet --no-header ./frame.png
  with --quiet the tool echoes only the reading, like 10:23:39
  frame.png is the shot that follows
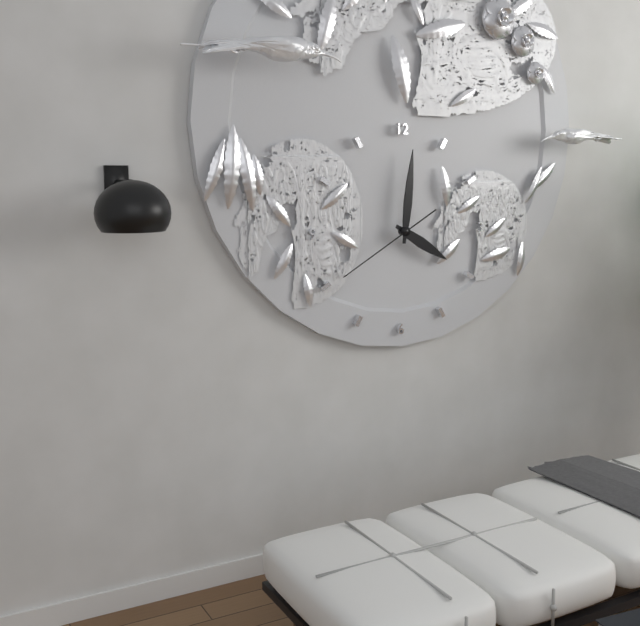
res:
4:01:40
